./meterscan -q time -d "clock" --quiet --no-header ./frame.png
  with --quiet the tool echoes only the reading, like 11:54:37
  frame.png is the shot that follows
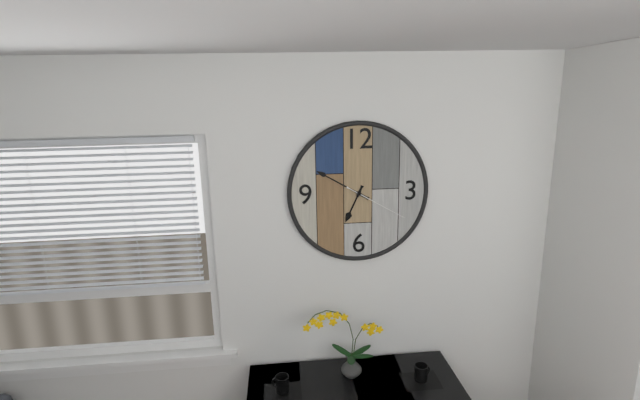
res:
6:50:20
